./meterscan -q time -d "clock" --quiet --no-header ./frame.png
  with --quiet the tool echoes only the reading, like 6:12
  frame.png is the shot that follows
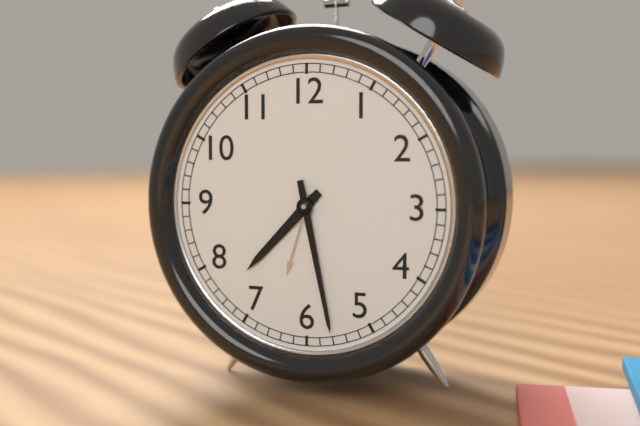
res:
7:28
